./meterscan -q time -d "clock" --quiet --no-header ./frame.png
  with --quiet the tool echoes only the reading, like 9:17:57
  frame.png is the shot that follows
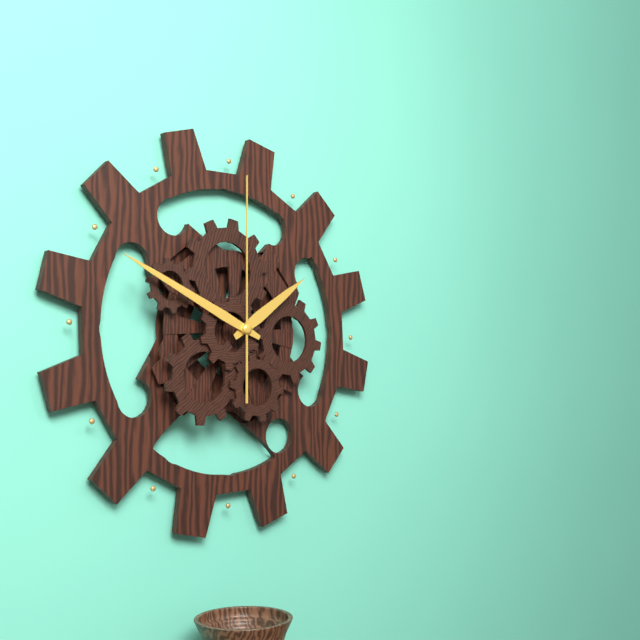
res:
1:49:00
